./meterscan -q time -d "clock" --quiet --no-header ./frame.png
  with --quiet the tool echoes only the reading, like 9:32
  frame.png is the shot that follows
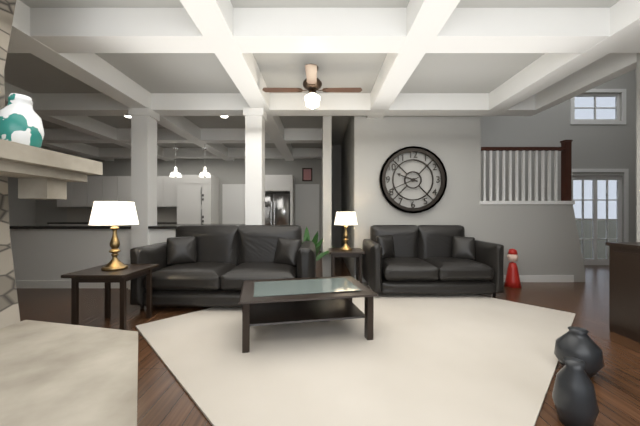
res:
9:41
